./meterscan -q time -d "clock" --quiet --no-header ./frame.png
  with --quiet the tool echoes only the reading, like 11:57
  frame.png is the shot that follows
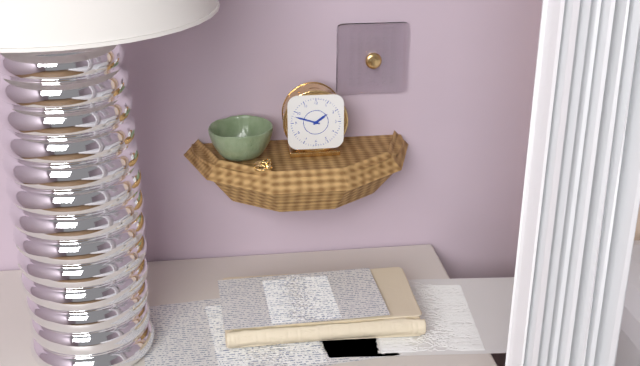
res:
1:48
